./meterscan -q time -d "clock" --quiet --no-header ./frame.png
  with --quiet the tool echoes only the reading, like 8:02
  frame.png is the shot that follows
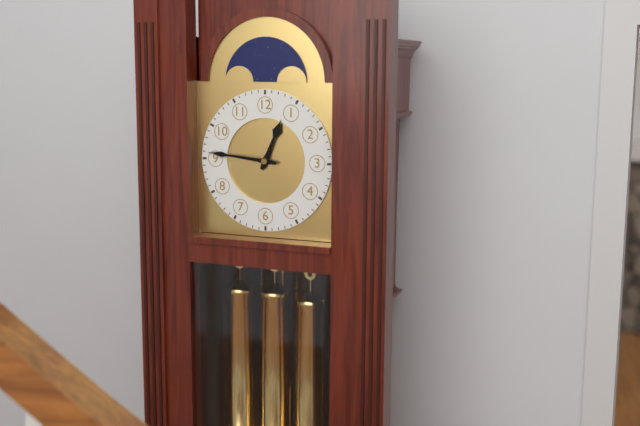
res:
12:46
